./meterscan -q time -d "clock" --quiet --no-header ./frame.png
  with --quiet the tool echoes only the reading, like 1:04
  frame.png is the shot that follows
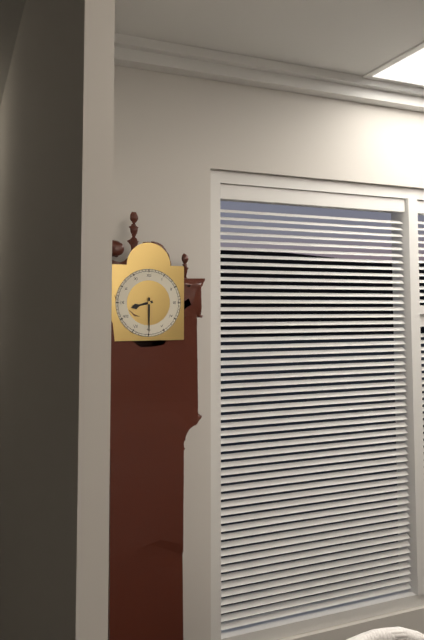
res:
8:30
